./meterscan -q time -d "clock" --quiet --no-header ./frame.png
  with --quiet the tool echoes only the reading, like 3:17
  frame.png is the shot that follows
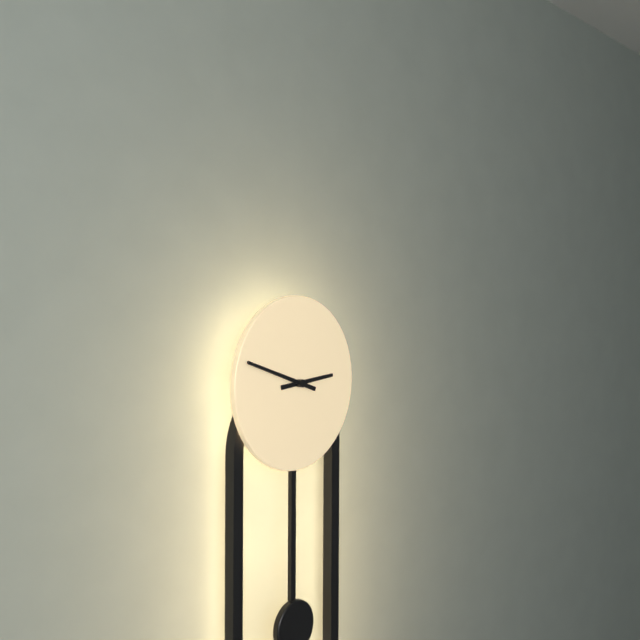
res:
2:48
